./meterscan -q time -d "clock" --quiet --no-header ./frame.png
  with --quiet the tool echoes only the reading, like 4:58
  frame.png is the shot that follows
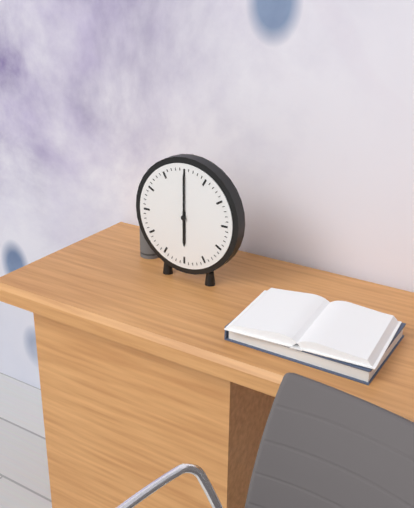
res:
6:00
